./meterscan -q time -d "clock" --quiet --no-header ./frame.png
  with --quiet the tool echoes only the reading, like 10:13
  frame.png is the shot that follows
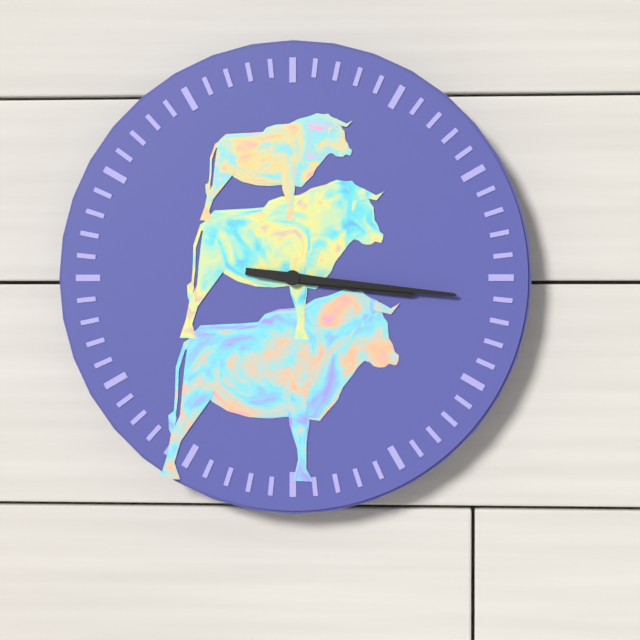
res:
3:16
